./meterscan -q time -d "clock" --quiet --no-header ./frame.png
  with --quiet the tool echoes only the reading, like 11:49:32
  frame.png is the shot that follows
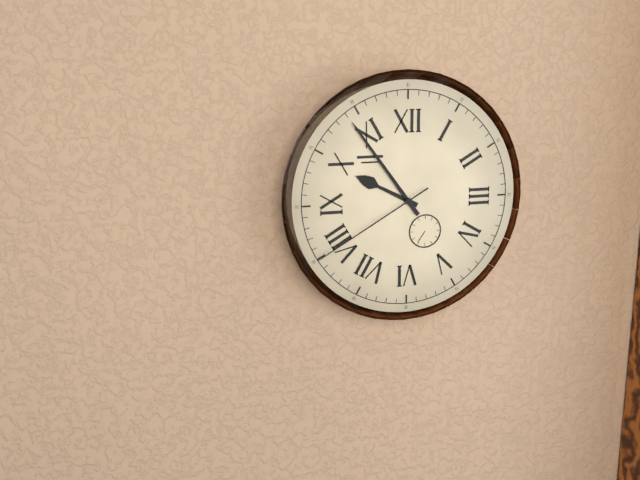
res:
9:54:40
